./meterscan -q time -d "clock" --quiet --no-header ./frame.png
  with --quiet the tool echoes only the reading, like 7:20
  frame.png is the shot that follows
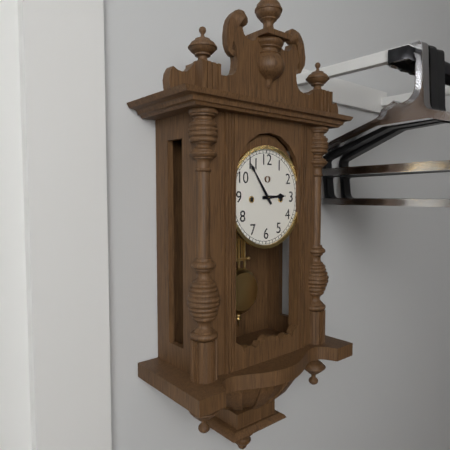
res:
2:54
